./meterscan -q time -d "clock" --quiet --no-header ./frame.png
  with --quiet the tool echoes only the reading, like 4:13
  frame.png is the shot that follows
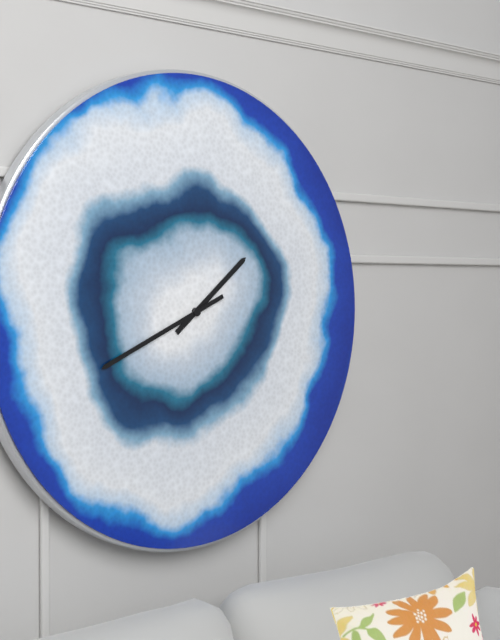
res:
1:41
